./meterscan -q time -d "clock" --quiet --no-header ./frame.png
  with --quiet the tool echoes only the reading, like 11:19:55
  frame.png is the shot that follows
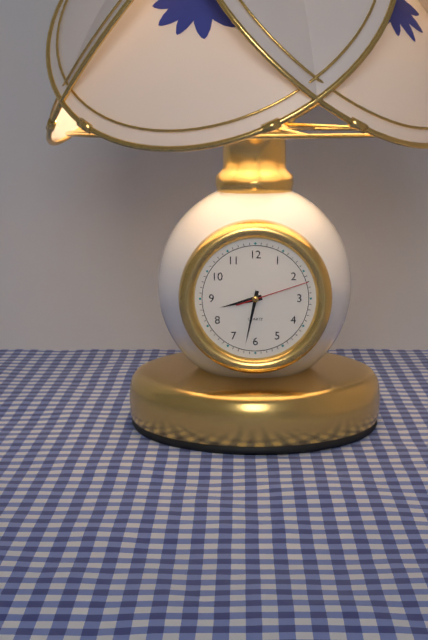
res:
8:32:12
